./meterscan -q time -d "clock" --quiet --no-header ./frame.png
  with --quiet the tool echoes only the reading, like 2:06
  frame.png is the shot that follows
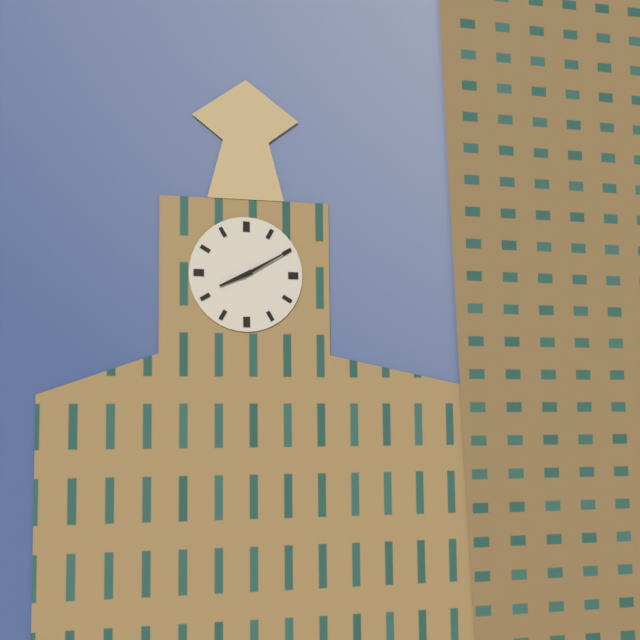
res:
8:10
